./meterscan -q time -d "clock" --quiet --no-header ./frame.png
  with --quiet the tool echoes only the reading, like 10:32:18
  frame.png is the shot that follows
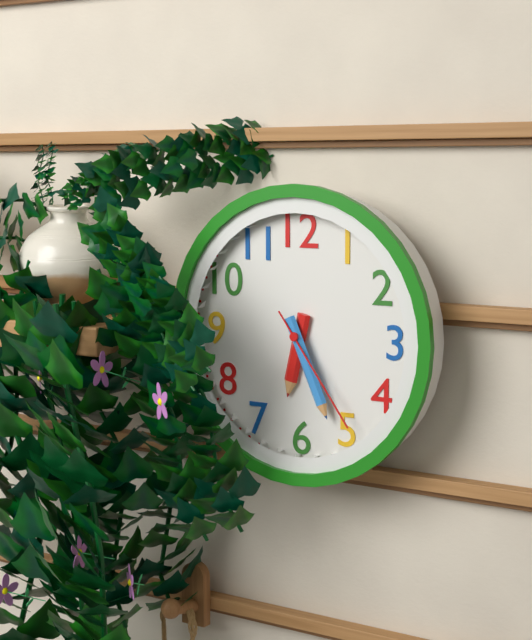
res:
6:26:24
